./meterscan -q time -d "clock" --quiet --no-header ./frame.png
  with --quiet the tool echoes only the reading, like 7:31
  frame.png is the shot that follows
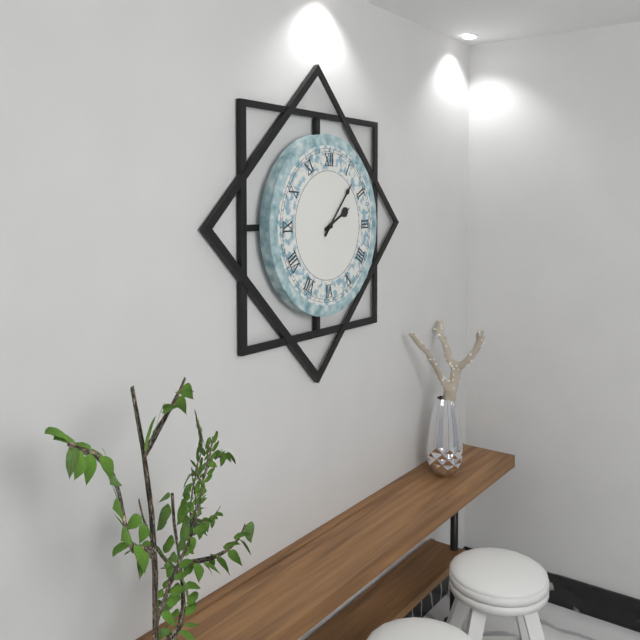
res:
2:07
